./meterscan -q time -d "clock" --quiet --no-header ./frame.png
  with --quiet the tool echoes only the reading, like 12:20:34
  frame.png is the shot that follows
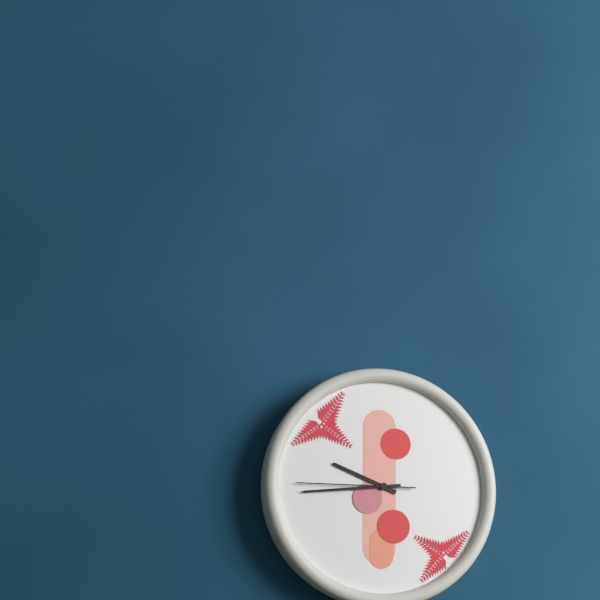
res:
9:44:45
